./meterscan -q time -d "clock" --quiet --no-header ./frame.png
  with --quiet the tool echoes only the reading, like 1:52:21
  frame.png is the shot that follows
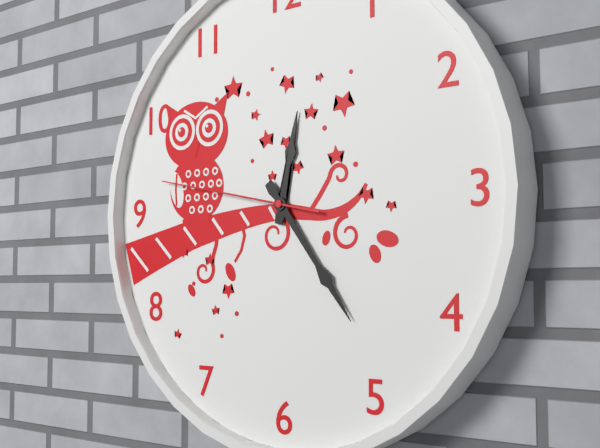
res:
12:24:47
